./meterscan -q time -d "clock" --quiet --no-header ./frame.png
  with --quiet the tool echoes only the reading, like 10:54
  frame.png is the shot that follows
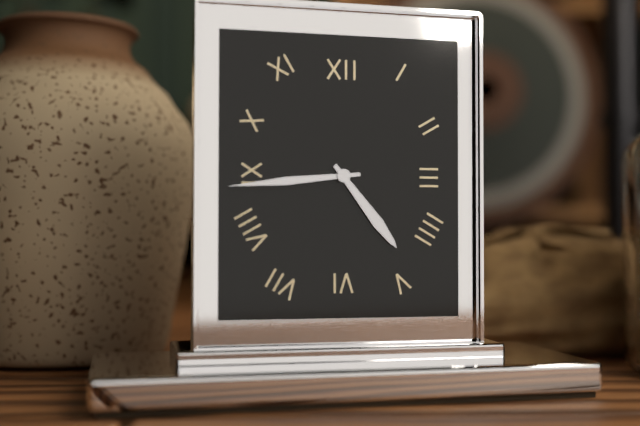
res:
4:44
